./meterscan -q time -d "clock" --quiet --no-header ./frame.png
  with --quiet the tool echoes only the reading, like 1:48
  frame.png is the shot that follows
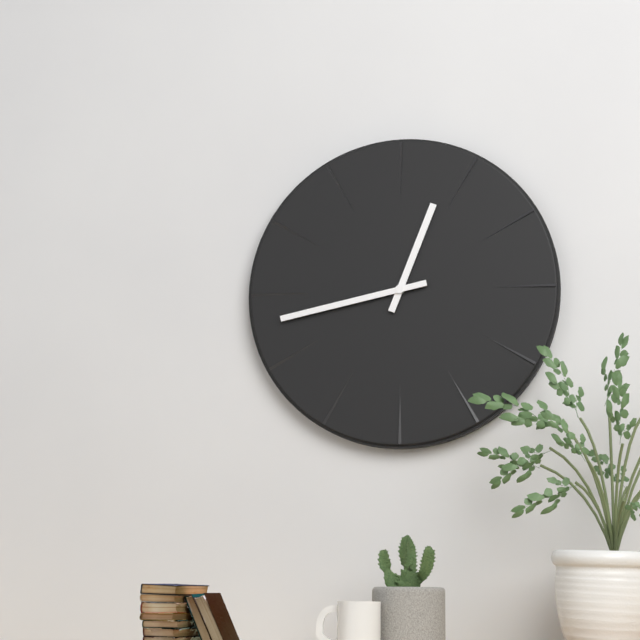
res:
12:43
